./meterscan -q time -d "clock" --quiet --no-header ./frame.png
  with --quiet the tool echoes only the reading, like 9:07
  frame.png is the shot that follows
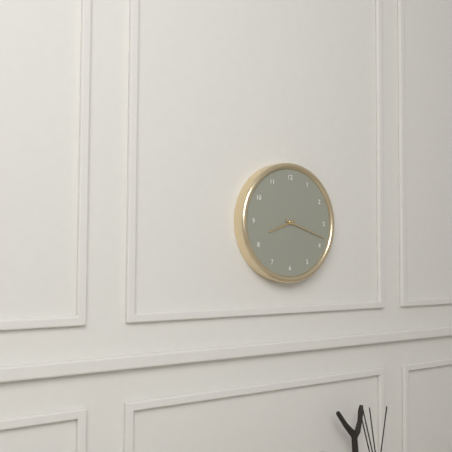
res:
8:18
